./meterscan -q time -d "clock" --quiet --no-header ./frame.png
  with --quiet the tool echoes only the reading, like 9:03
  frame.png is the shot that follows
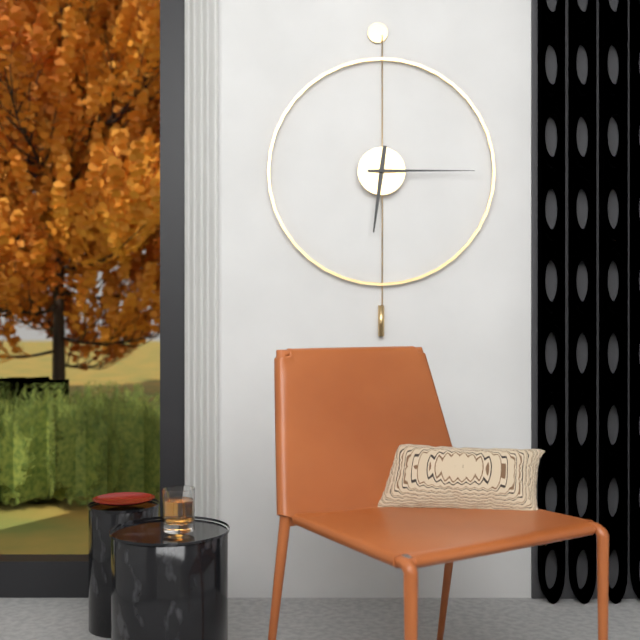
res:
6:15
